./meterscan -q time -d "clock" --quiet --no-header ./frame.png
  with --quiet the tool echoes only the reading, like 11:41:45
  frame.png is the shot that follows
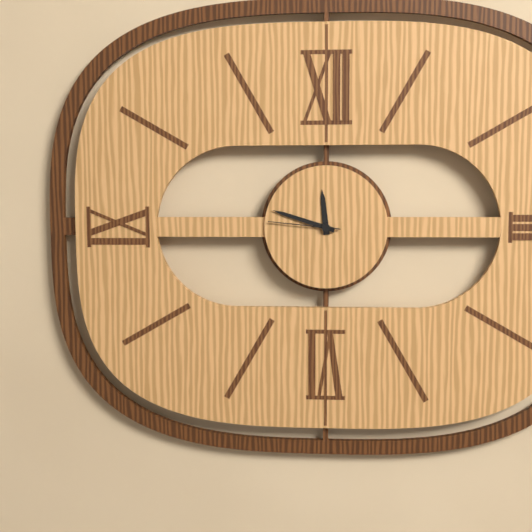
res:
11:48:46
